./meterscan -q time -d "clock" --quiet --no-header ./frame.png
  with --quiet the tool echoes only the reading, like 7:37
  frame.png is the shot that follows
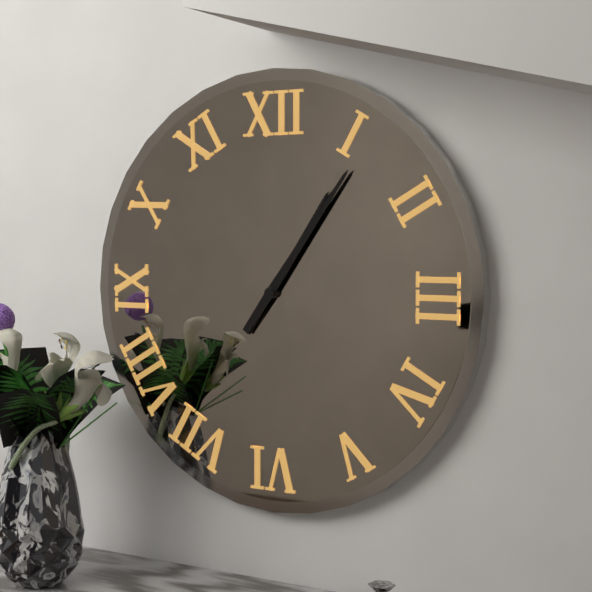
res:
1:06
